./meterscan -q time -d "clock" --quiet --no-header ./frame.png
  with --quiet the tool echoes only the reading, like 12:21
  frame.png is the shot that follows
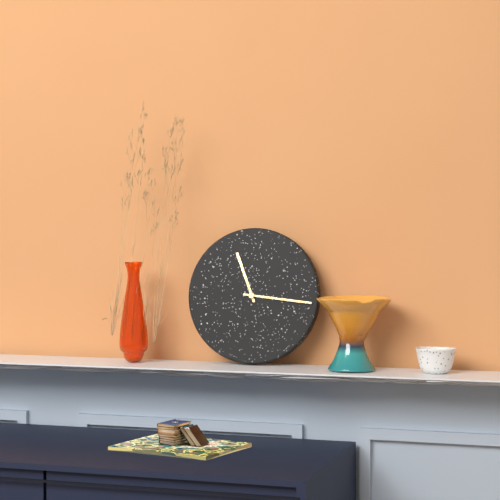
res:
11:16
